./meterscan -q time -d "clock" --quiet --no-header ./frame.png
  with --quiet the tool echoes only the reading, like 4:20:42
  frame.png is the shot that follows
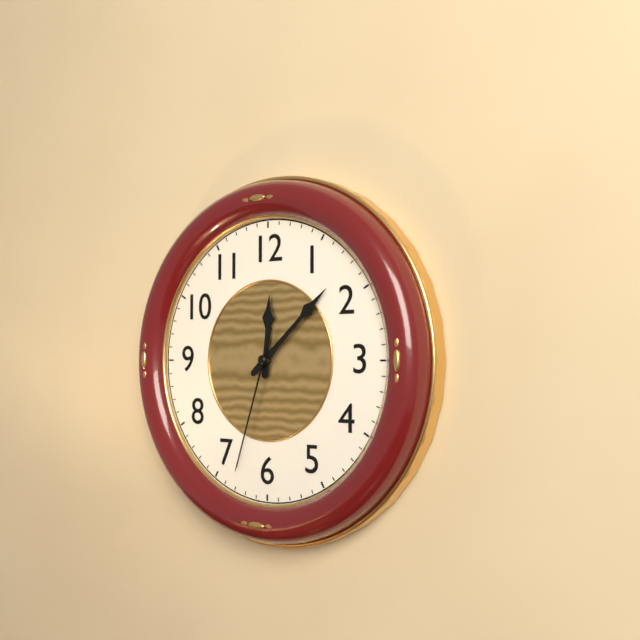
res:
12:08:33
